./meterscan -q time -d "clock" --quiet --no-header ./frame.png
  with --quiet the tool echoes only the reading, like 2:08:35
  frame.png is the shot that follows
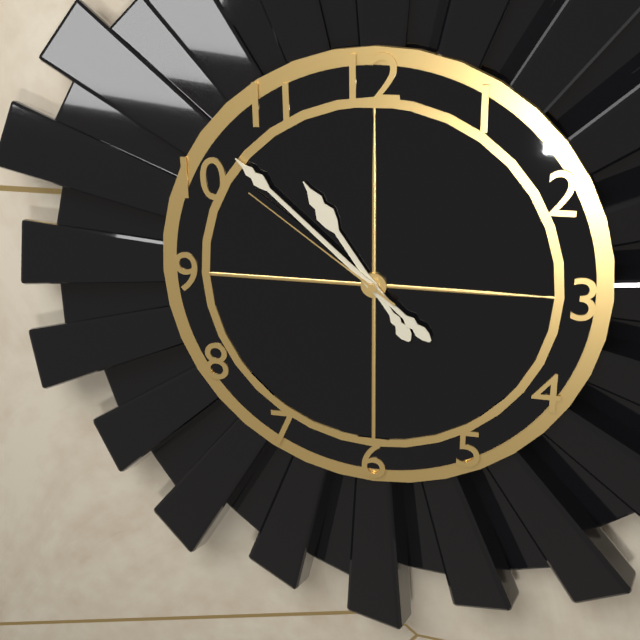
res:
10:52:51
